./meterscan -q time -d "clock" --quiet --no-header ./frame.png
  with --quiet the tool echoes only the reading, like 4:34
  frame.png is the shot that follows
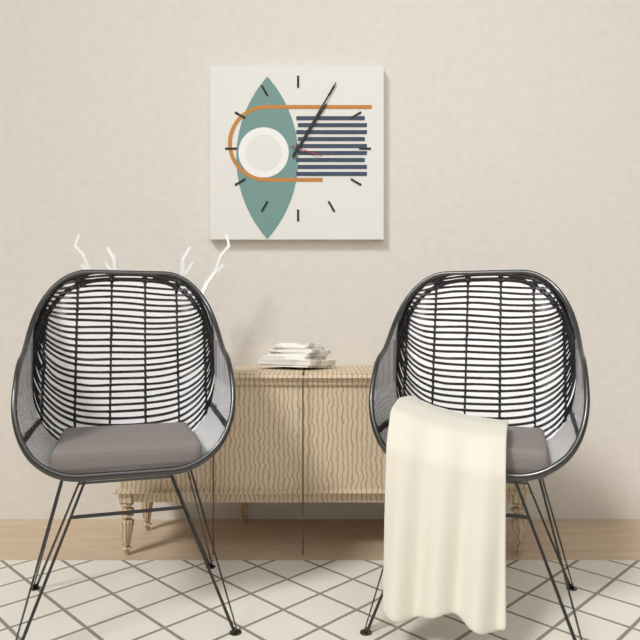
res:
1:05
